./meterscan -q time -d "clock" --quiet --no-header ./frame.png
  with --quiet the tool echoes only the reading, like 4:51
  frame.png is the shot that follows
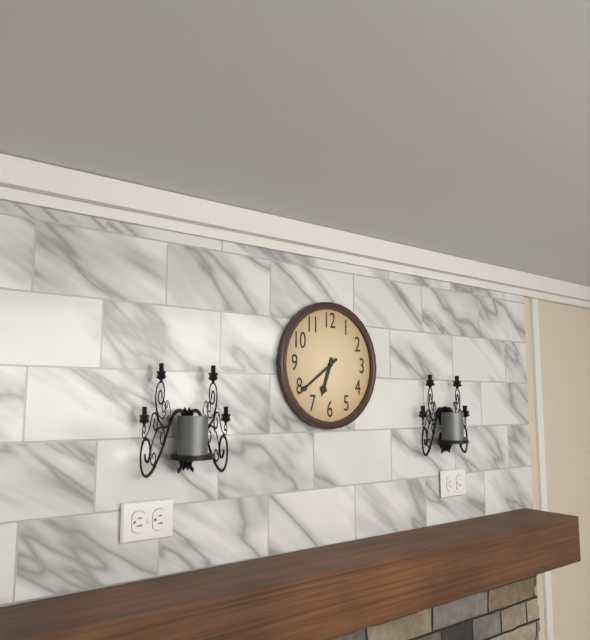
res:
6:39
